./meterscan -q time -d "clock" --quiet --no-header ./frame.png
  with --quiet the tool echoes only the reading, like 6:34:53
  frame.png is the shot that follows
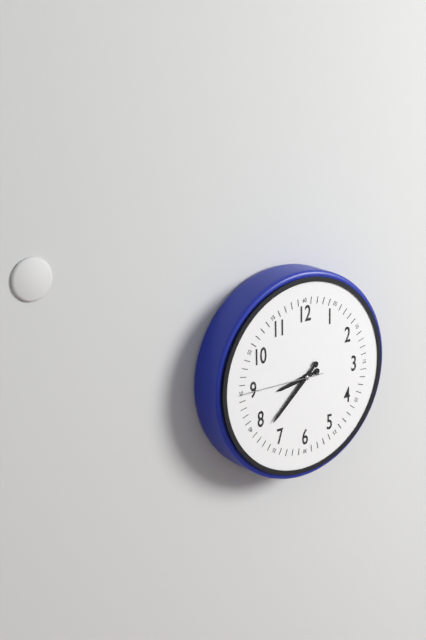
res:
8:38:45
